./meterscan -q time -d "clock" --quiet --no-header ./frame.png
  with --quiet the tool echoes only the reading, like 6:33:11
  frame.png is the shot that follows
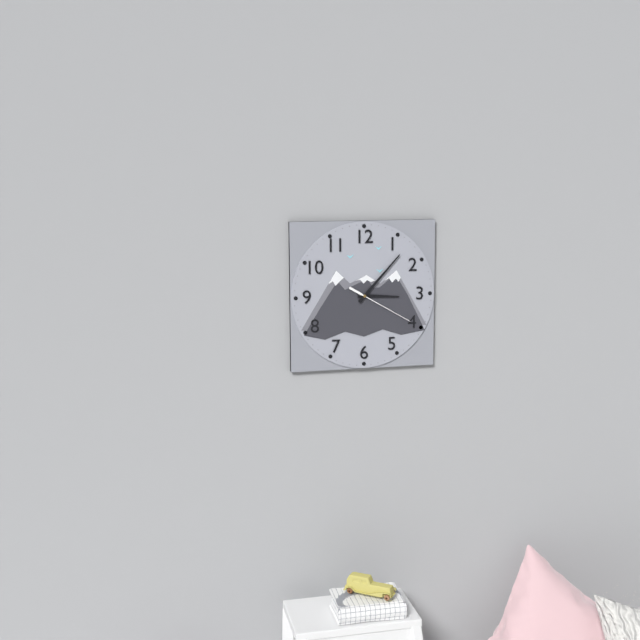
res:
3:07:20
